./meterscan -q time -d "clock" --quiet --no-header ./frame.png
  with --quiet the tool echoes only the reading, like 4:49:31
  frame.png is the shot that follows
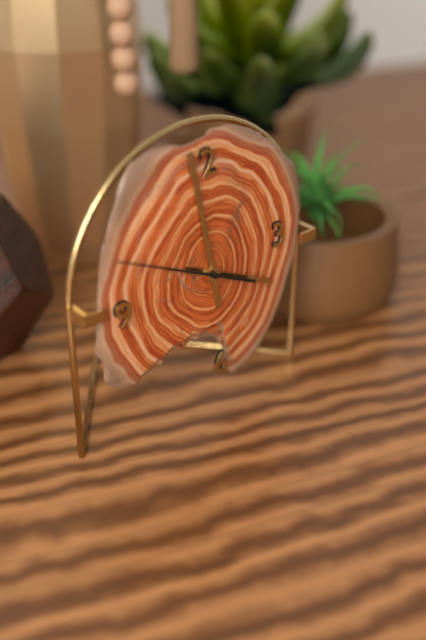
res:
3:59:50
